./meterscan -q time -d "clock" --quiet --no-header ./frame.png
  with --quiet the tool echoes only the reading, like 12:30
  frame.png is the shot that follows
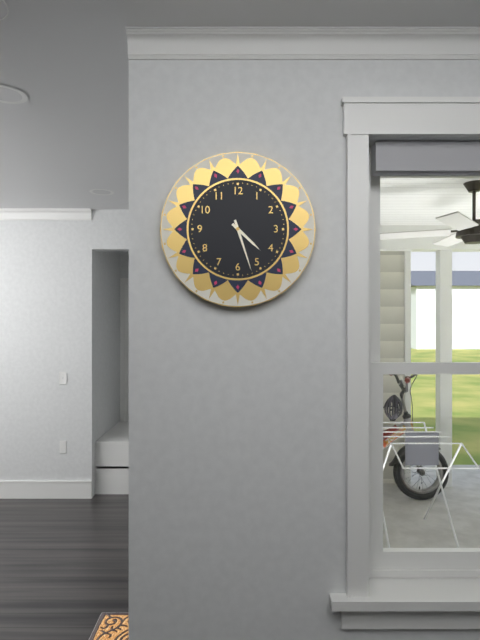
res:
4:27
